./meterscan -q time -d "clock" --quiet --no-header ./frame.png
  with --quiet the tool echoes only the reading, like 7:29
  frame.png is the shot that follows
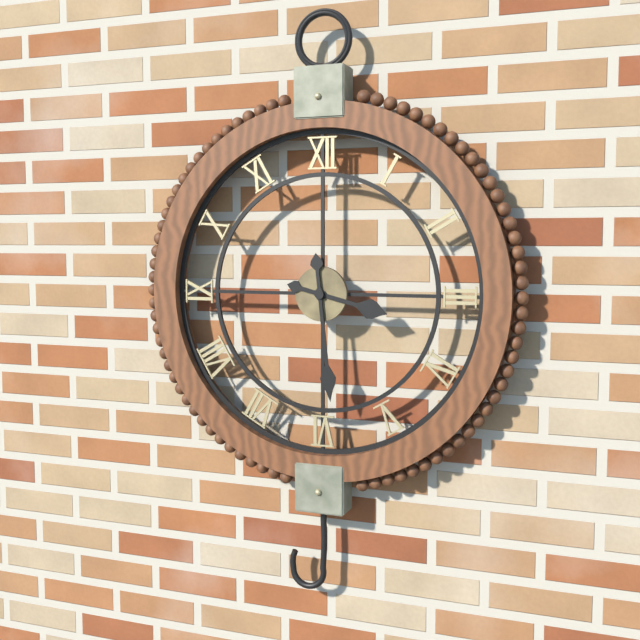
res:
3:29
